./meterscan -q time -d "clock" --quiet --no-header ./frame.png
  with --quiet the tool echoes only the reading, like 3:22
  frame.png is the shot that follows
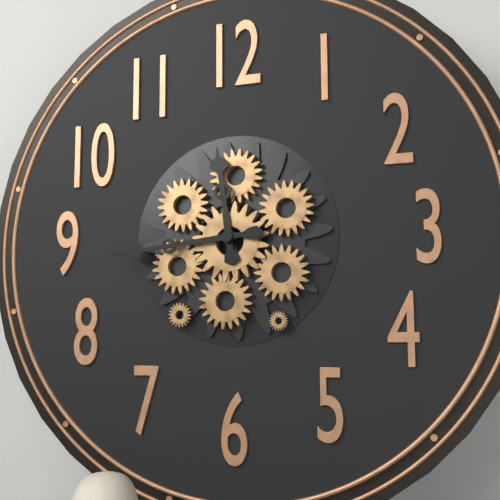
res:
11:44
